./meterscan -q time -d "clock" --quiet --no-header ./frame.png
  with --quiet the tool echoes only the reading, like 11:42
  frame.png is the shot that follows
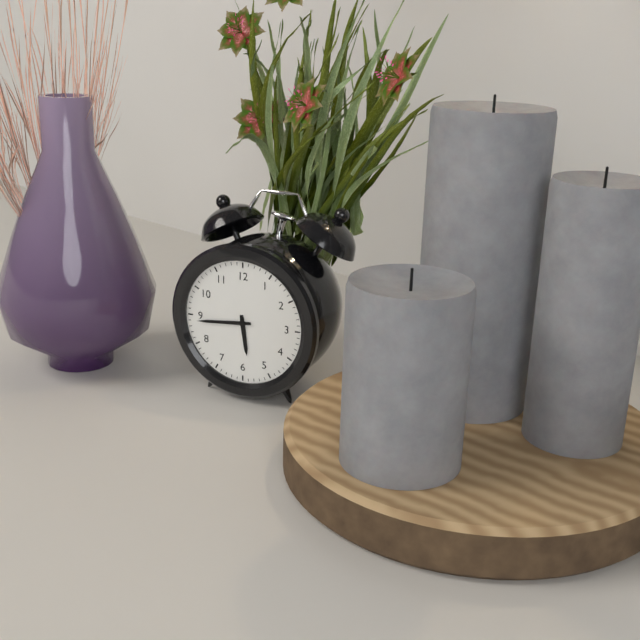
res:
5:44
